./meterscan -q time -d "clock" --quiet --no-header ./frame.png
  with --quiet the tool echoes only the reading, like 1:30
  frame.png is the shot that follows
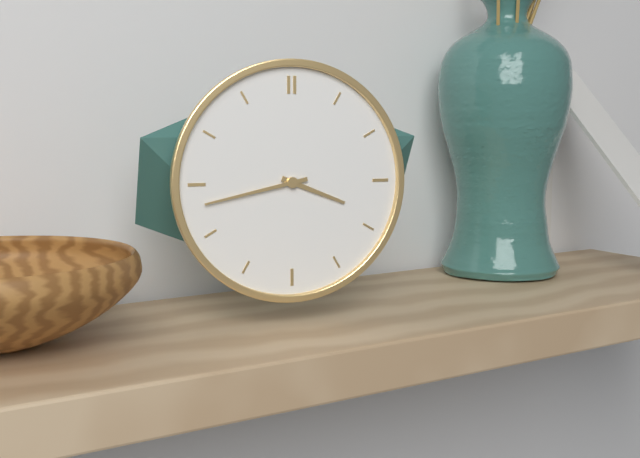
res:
3:43
